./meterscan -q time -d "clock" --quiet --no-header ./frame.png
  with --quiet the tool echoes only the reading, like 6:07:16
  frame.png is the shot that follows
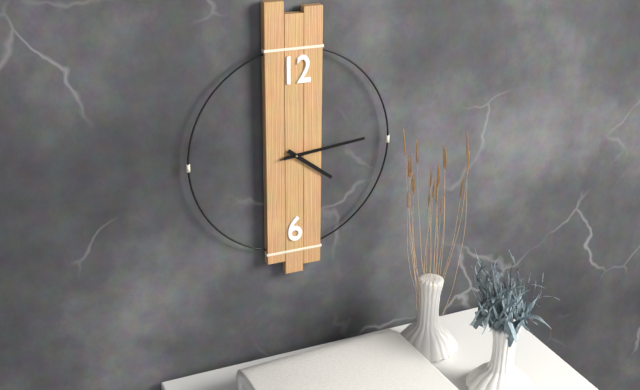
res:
4:14:14
